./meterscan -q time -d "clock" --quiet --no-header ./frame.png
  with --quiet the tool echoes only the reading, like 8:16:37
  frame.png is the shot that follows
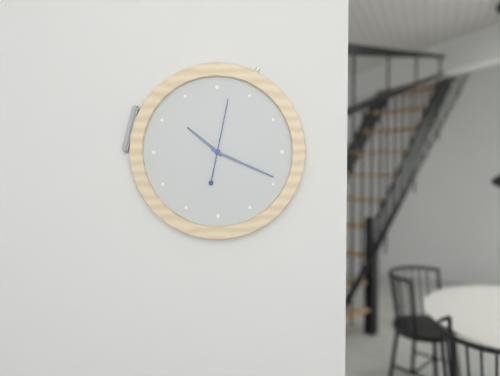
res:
10:19:02
